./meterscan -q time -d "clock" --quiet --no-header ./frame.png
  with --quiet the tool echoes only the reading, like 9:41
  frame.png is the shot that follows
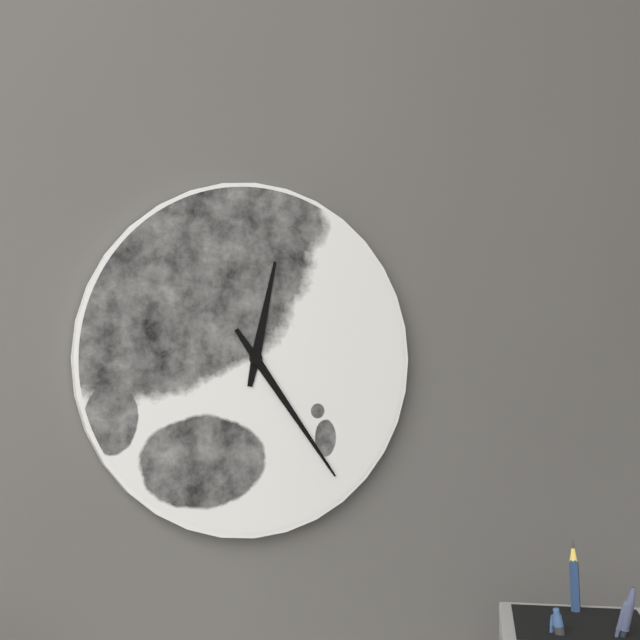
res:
12:24
